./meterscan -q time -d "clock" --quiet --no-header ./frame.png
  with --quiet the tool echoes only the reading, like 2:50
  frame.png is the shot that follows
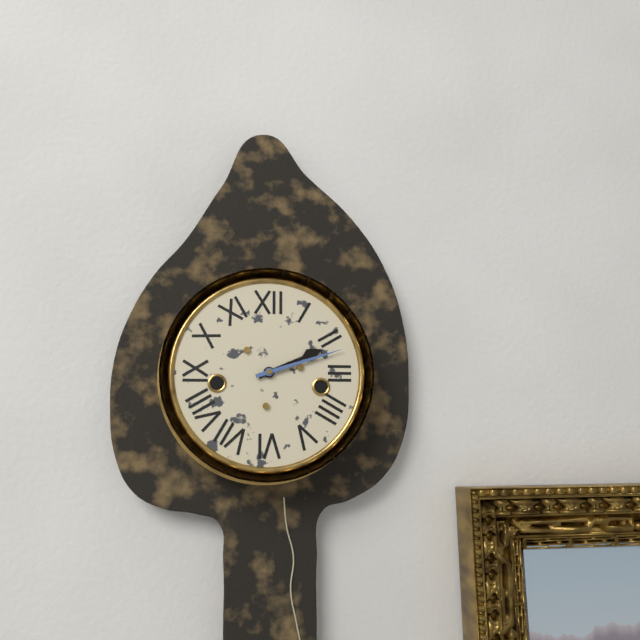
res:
2:12
